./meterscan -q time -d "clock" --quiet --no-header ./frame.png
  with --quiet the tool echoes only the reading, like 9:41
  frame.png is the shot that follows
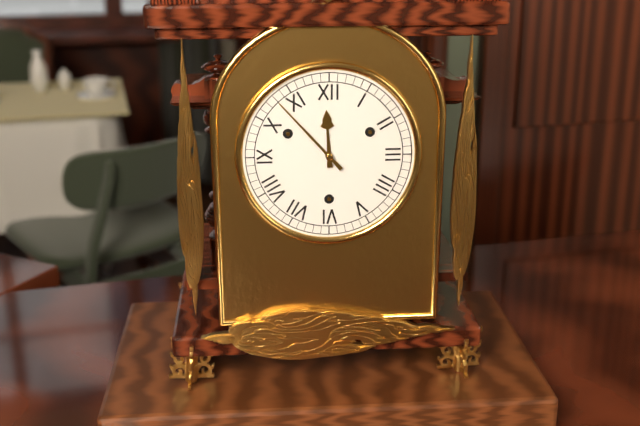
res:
11:53
